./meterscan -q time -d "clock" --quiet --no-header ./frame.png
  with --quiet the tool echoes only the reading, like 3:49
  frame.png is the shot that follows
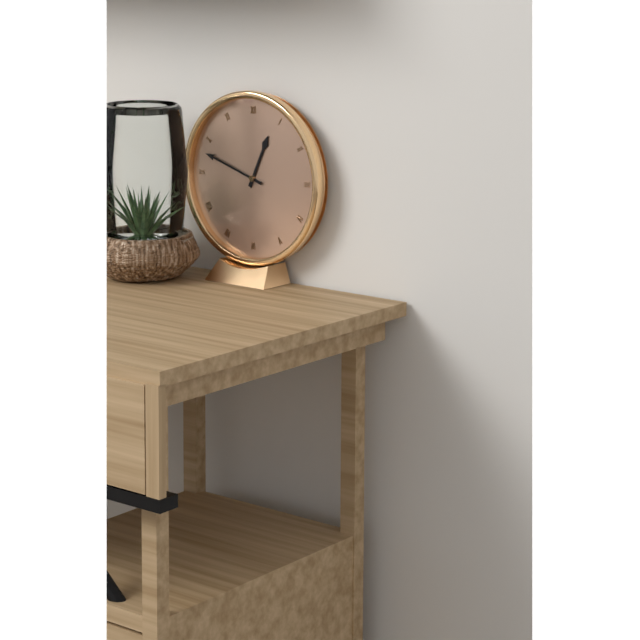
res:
12:48
